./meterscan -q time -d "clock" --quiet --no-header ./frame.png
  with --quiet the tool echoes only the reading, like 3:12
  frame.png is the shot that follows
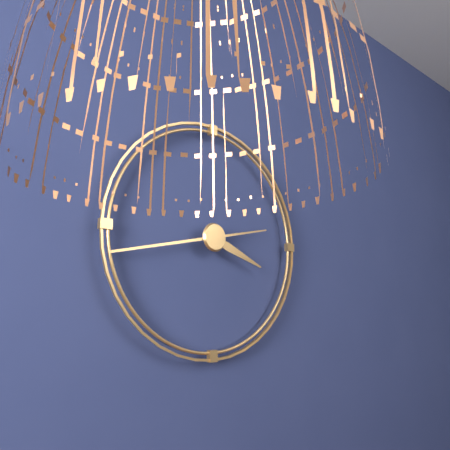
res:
3:43
